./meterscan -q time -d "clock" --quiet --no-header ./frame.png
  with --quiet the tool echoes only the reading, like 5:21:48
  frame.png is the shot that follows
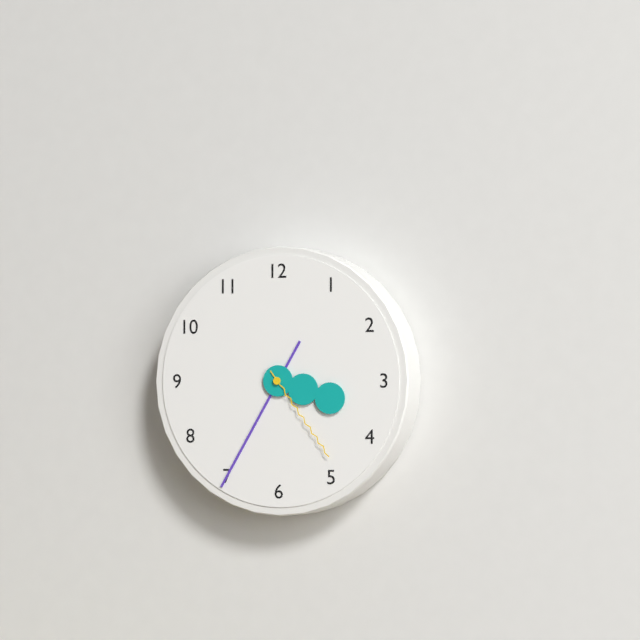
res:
3:35:24
